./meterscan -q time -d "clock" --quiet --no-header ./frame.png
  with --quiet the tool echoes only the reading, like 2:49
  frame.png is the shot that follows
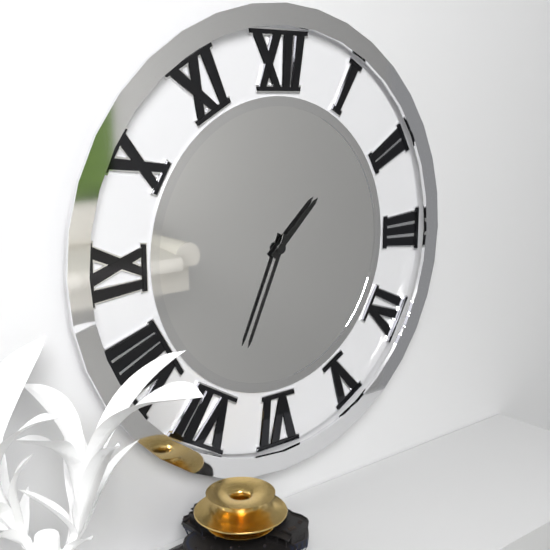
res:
1:34
